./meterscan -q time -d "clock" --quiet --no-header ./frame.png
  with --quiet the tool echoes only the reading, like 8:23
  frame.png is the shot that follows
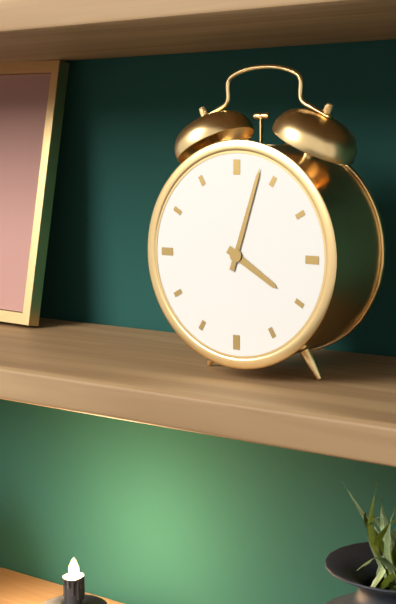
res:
4:03
